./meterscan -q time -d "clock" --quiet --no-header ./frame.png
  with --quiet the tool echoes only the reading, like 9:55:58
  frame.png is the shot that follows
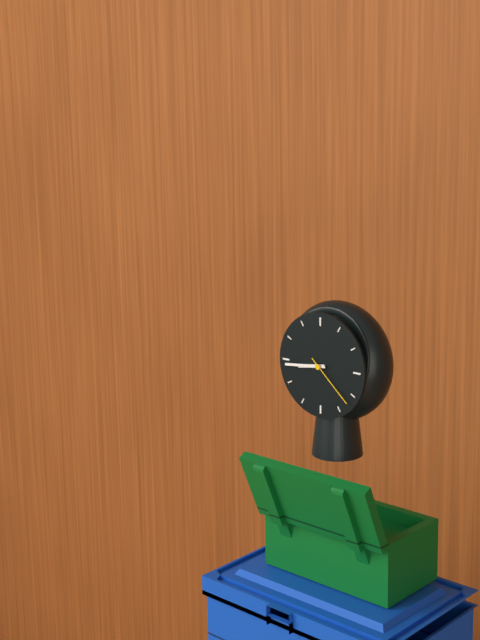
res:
8:44:22
